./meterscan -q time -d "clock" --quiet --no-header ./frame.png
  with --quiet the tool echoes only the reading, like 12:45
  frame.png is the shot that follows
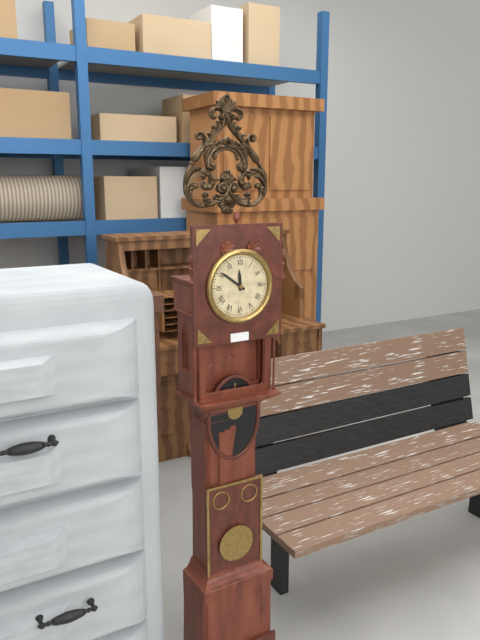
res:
11:51
